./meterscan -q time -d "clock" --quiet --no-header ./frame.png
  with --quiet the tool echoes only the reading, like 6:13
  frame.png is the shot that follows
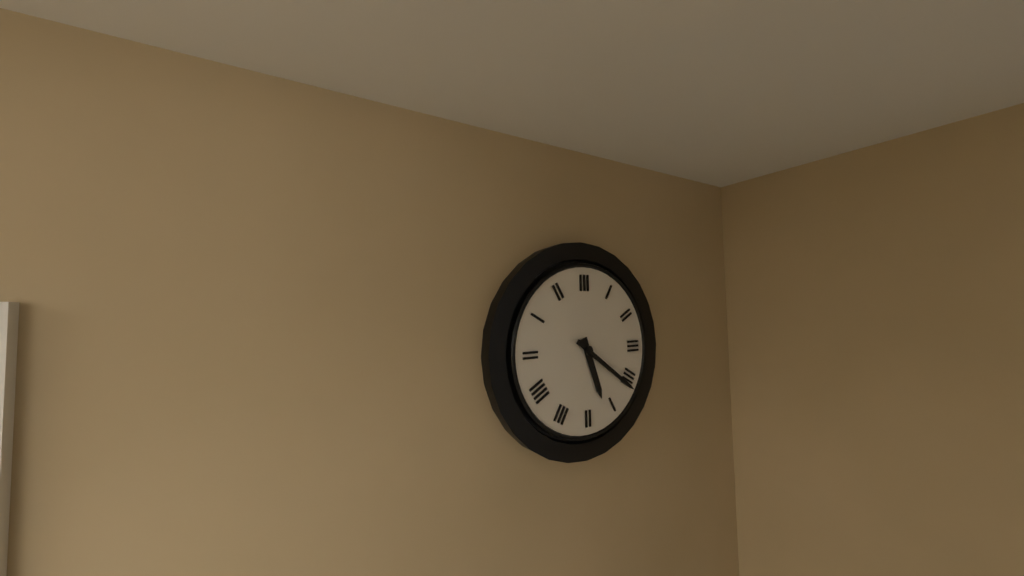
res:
5:21
